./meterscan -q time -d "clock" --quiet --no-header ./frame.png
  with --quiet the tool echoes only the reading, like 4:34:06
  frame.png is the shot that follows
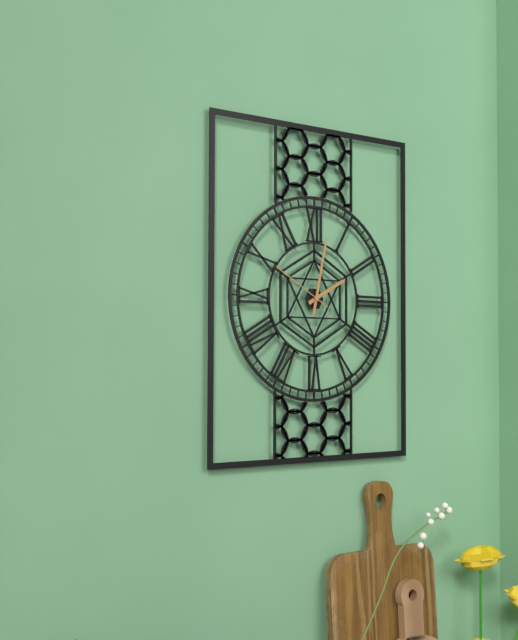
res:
2:02:50
